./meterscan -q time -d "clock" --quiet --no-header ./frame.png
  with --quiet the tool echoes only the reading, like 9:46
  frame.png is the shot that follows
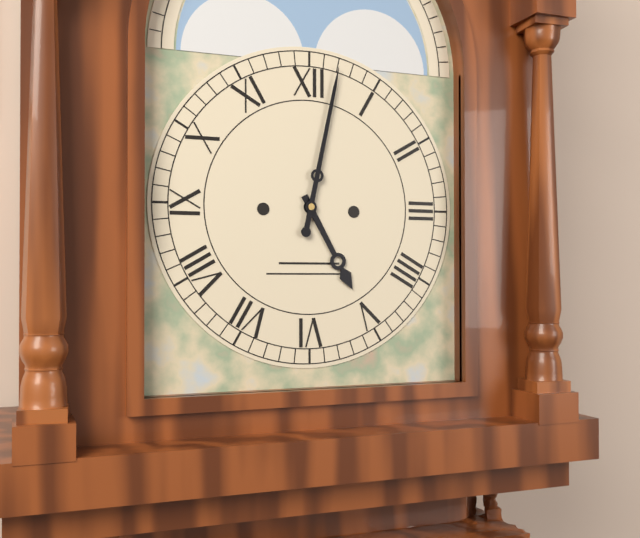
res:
5:02
